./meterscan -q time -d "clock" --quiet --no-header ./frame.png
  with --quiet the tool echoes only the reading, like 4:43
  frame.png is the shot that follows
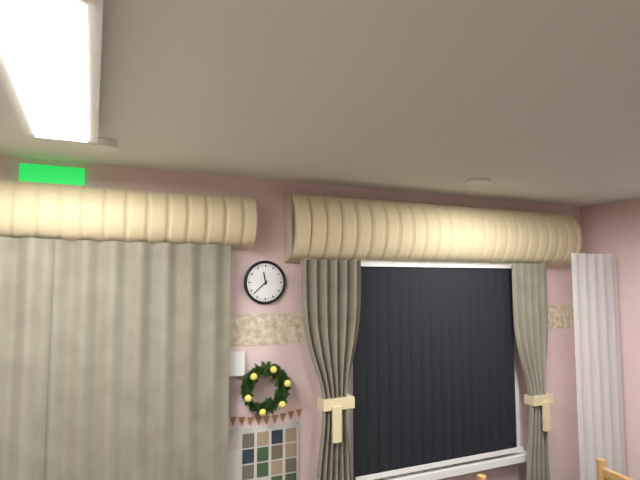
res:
11:38
